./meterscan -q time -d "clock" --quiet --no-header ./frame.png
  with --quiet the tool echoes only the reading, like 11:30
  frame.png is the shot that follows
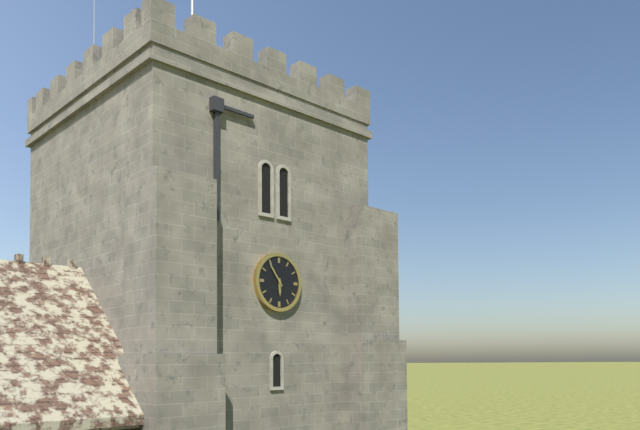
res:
5:54
